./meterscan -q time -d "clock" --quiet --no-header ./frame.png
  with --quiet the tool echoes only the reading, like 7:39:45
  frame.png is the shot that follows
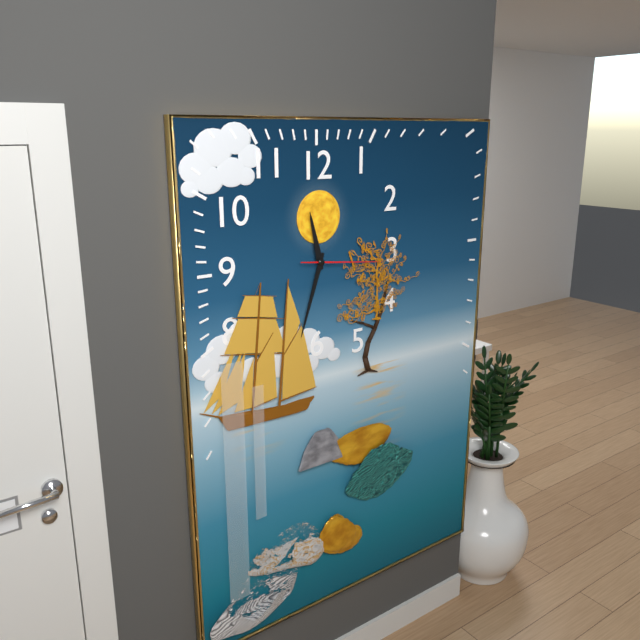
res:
11:33:16
